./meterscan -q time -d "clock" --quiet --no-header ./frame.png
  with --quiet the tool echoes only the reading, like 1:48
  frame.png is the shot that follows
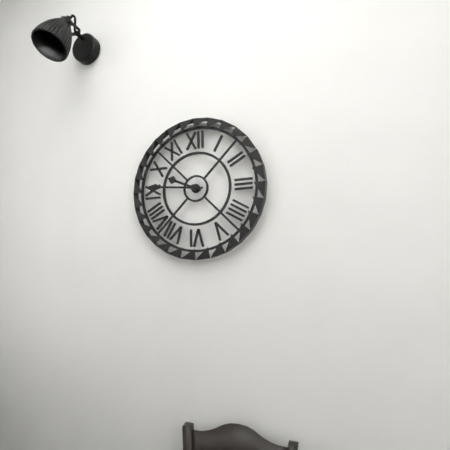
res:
9:46
